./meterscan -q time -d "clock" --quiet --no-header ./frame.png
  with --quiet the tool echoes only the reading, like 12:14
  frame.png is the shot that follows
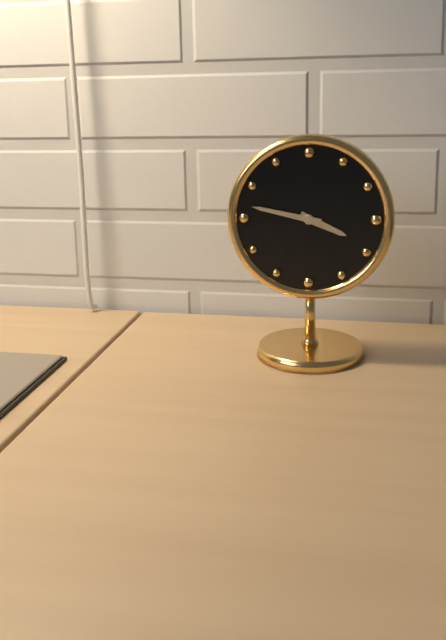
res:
3:47
